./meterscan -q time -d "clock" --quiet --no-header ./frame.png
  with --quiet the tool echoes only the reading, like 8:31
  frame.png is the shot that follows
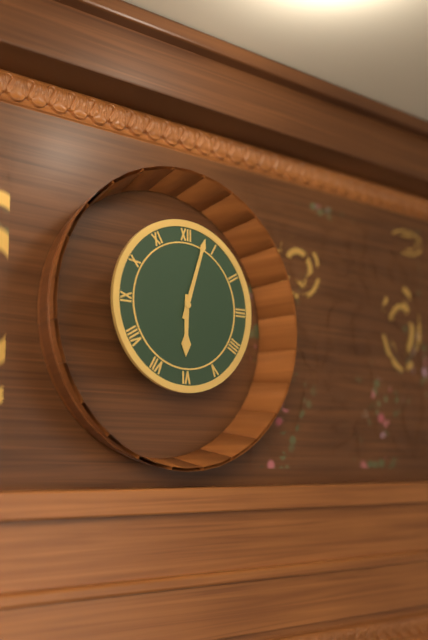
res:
6:03
